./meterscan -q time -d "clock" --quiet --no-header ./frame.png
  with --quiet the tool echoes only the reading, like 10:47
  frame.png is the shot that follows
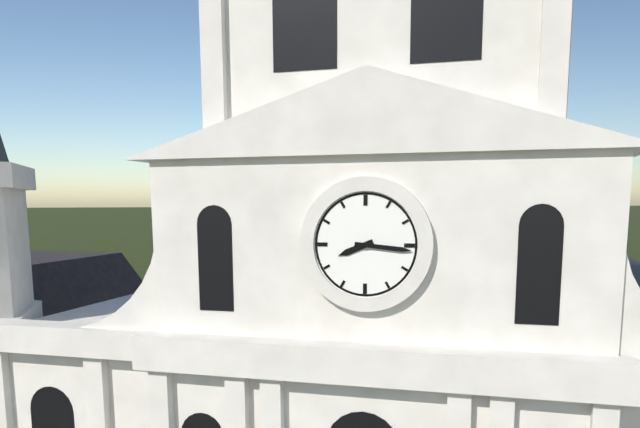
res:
8:16
